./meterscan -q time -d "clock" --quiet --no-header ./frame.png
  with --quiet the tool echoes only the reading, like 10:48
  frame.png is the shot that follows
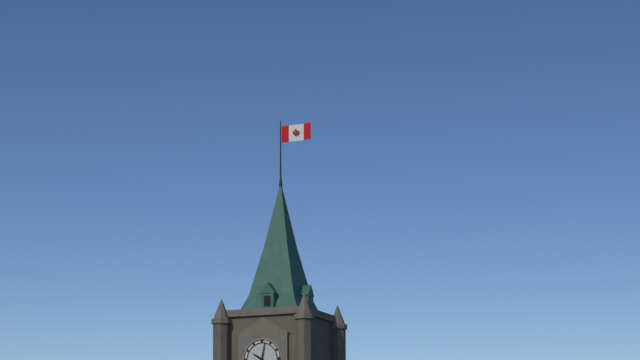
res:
10:02
